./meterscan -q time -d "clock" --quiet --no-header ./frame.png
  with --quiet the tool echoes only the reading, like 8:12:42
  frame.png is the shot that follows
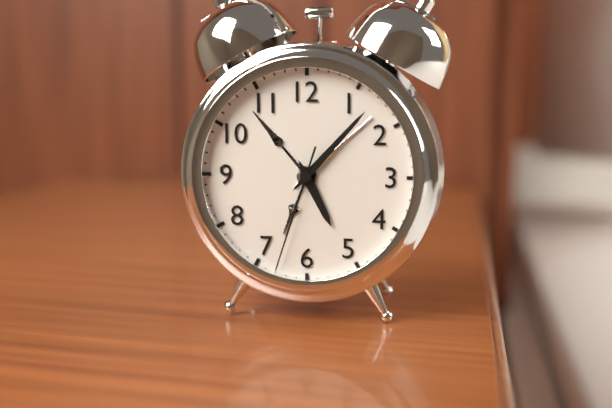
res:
5:07:33
